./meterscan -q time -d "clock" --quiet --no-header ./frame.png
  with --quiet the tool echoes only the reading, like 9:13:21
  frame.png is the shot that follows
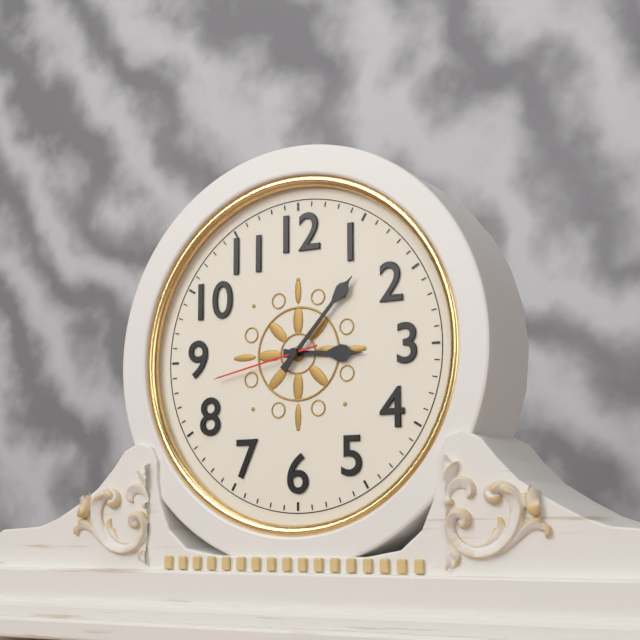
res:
3:07:43
